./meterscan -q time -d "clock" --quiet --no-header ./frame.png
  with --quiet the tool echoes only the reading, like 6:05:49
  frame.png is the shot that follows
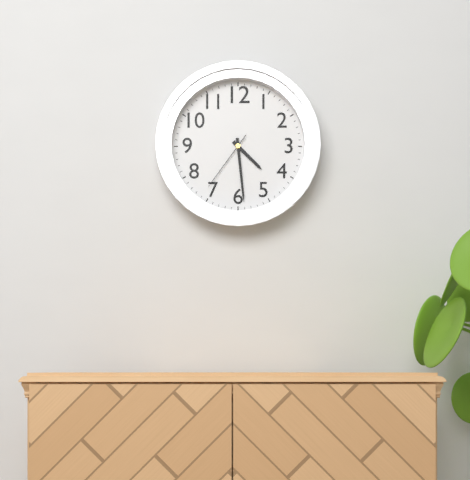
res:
4:29:36
